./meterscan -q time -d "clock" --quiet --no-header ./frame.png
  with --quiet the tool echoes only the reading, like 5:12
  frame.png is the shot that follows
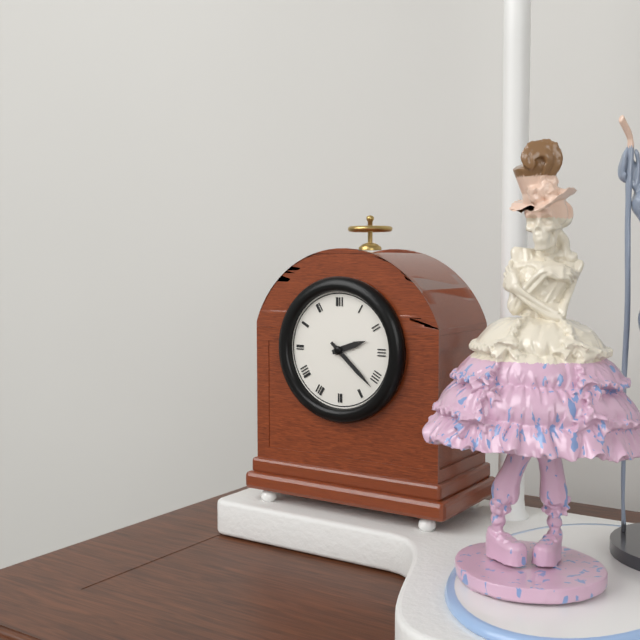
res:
2:22
